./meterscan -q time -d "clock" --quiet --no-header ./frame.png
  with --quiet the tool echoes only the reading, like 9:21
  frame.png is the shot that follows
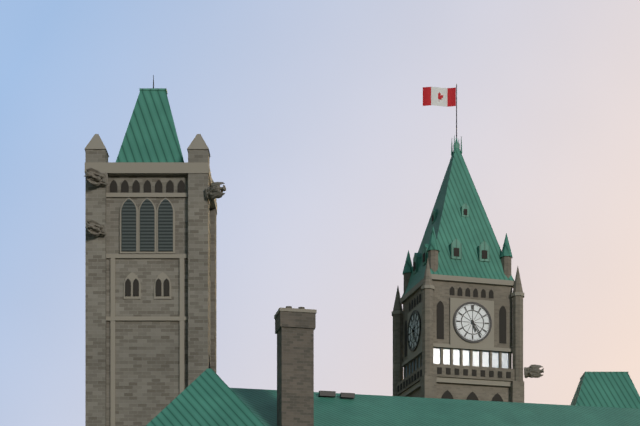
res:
5:24
